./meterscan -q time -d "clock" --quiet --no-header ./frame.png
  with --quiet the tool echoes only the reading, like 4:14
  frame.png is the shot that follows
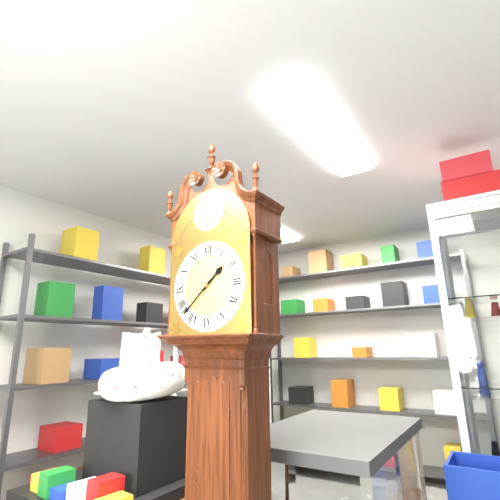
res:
1:38
